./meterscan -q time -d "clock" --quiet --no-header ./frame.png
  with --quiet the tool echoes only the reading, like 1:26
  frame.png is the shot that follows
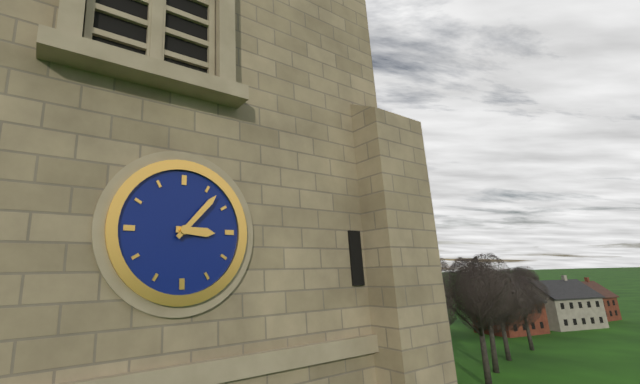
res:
3:07
